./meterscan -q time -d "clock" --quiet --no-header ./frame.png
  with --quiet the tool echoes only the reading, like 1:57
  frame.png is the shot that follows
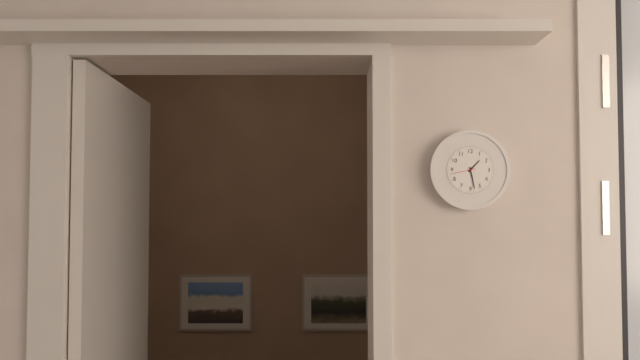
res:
1:28
